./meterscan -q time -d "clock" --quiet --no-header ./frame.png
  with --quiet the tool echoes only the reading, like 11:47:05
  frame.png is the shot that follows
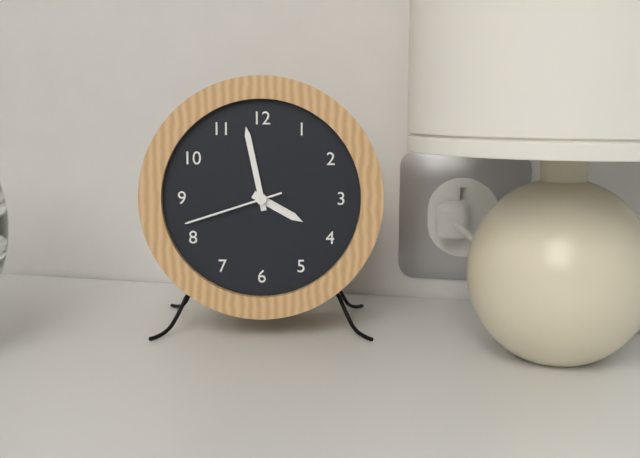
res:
3:58:42
